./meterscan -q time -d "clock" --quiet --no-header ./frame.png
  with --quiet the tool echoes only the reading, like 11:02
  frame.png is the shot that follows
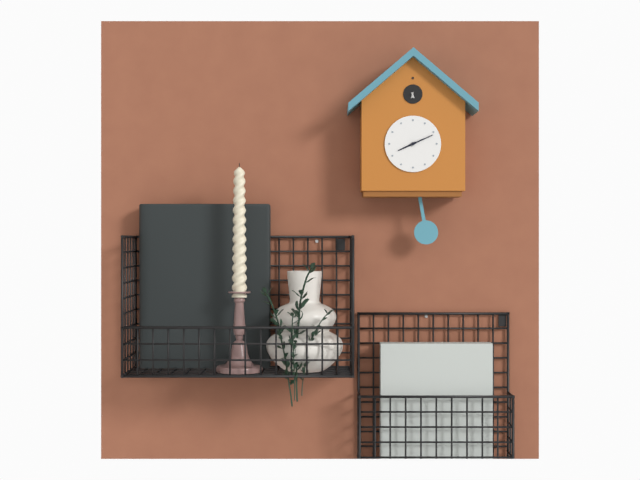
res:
8:11
